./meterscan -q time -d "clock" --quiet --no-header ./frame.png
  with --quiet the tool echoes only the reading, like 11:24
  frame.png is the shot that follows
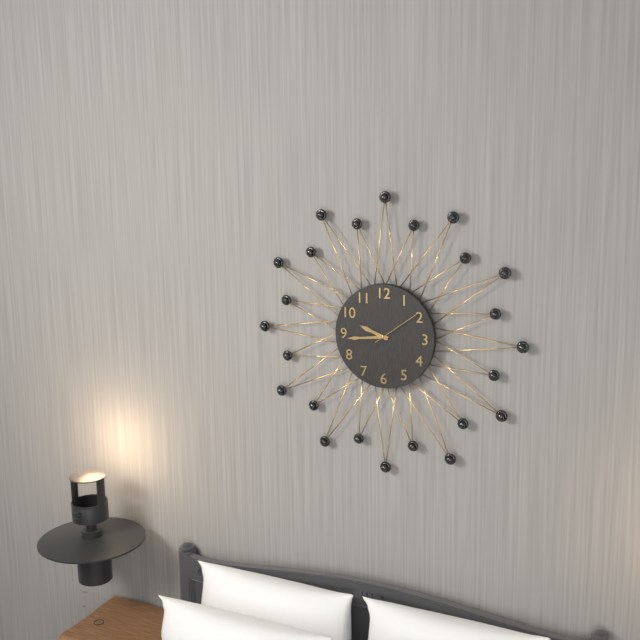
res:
9:44
